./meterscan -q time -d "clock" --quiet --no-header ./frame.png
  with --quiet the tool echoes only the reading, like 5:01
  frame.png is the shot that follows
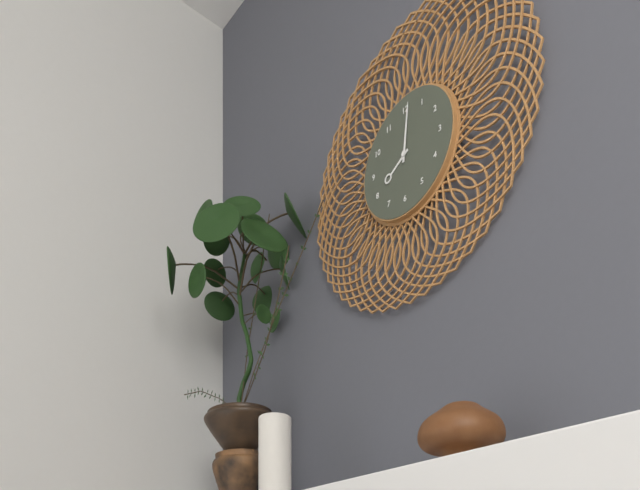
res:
8:01
